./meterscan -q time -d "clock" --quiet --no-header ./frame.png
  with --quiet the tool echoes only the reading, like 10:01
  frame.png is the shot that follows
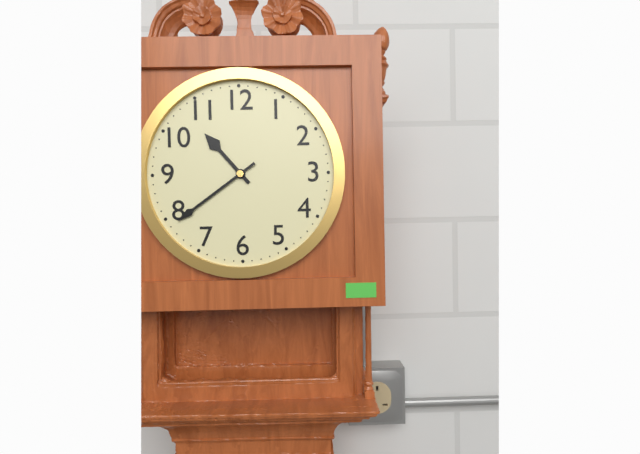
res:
10:39
